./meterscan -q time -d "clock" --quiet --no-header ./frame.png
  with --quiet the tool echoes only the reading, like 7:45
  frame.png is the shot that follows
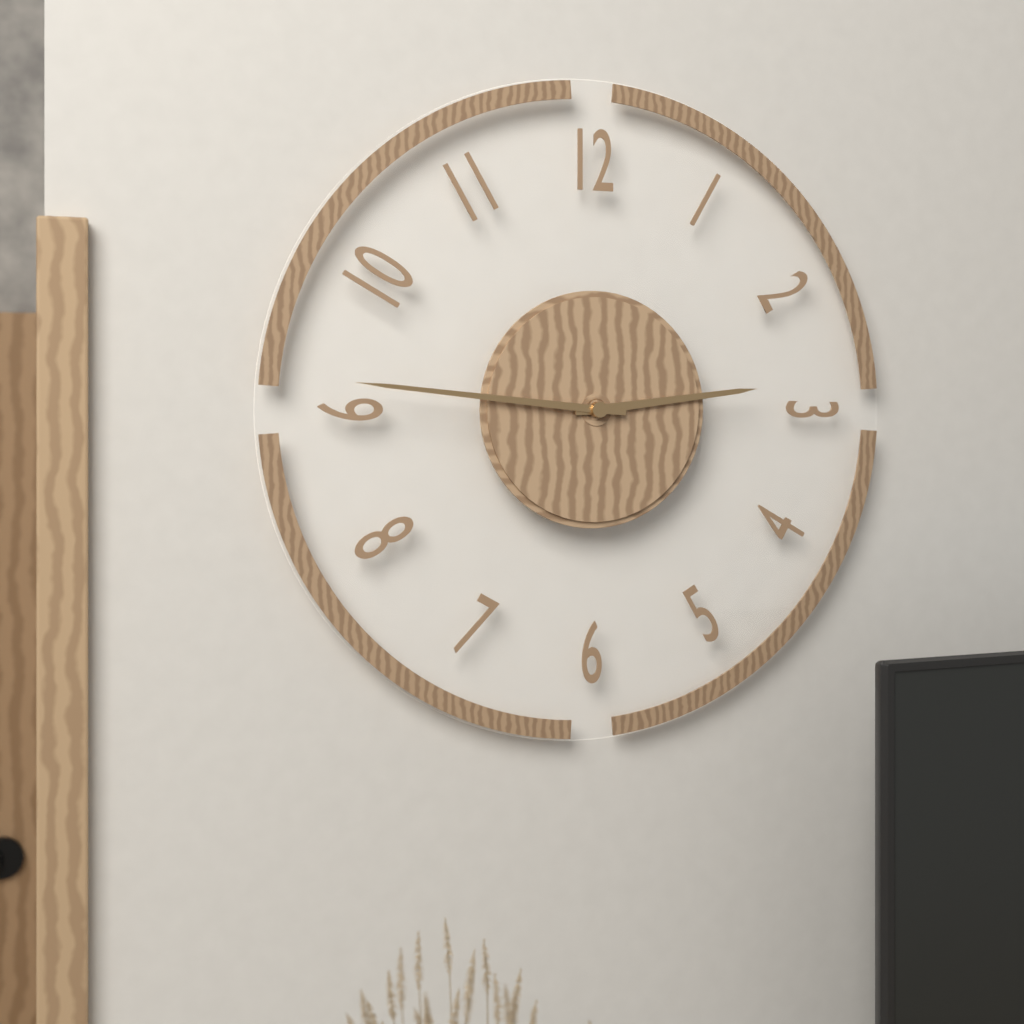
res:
2:46
